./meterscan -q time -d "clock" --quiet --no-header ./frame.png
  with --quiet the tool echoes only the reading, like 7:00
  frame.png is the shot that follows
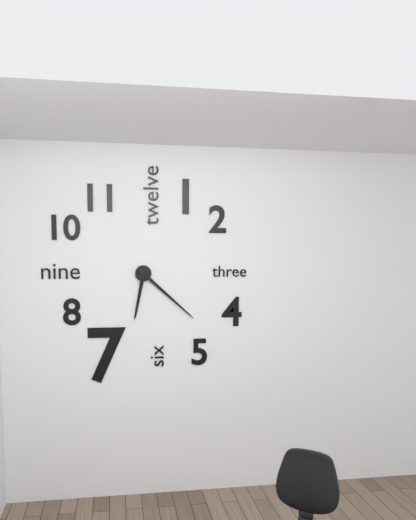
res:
6:22
